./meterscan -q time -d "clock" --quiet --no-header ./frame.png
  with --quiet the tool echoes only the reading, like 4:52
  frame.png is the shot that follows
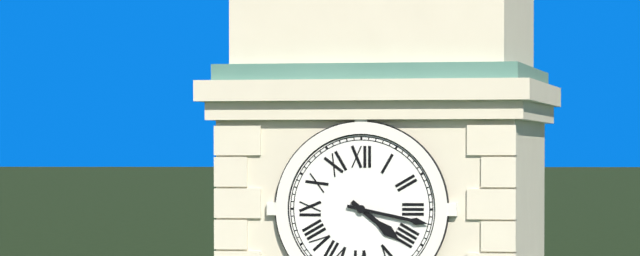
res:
4:17
